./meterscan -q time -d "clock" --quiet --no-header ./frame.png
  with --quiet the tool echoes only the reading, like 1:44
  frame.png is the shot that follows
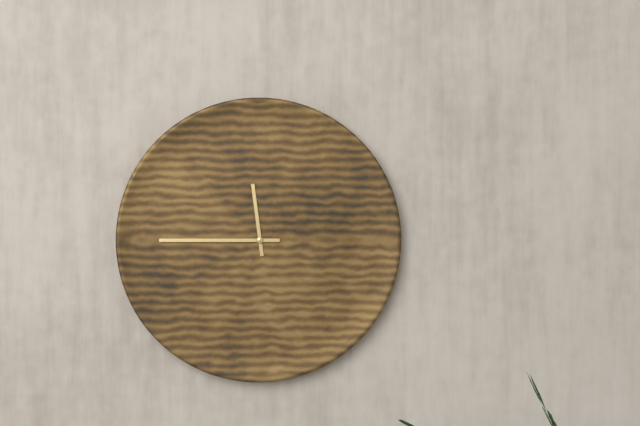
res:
11:45
